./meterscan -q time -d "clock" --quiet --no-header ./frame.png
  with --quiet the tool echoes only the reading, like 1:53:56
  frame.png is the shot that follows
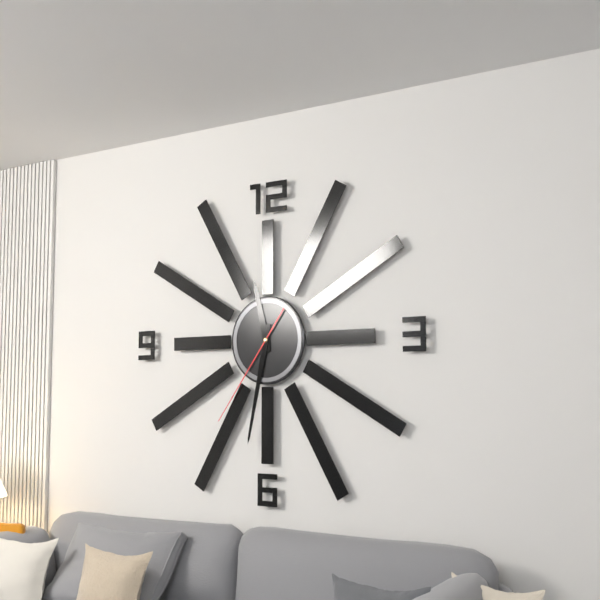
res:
11:32:36
